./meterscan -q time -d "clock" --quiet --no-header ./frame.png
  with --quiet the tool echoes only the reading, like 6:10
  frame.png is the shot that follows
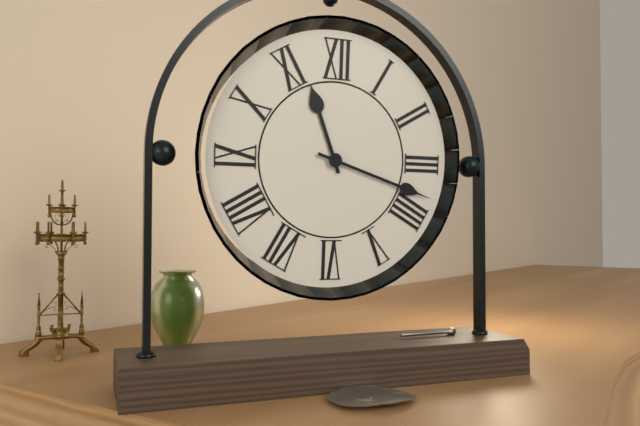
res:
11:18
